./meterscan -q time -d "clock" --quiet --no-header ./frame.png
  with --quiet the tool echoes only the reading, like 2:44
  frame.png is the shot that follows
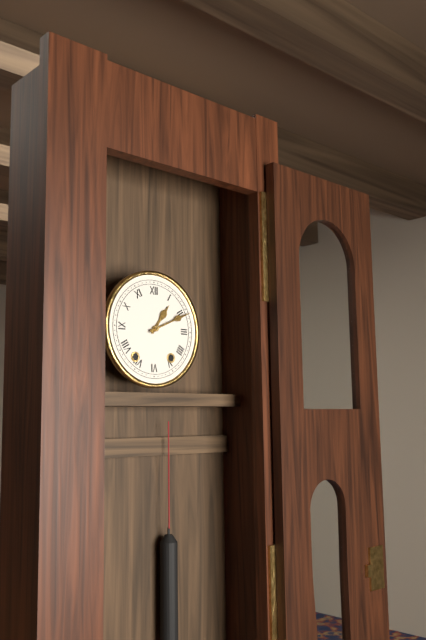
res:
1:11
